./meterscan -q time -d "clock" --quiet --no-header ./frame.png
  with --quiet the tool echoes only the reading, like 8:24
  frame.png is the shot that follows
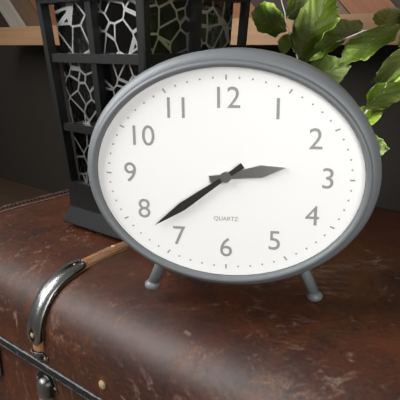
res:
2:39
